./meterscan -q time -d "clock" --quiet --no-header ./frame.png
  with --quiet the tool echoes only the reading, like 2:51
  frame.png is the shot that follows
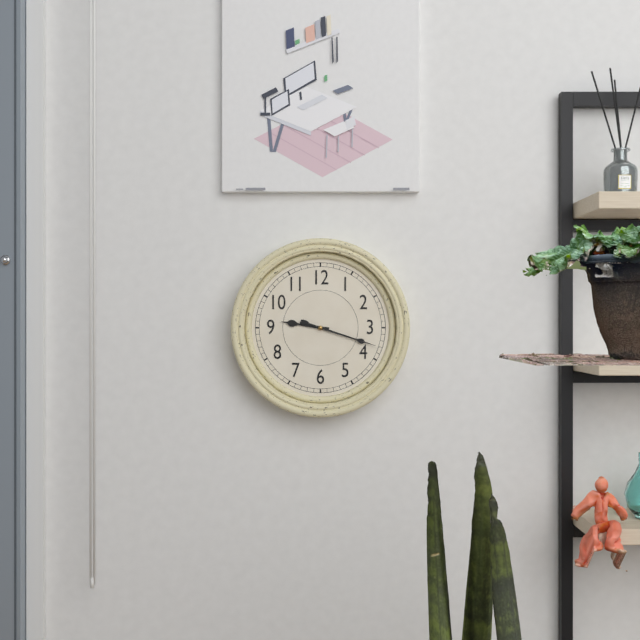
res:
9:18
